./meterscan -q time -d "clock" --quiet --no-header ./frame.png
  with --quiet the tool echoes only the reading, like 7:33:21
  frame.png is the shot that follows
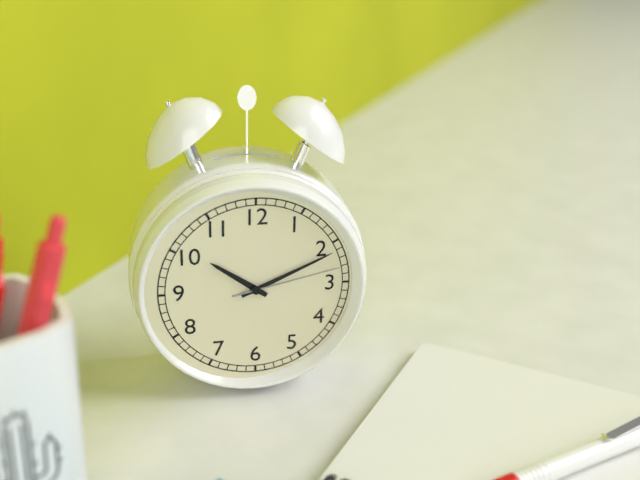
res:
10:11:13
